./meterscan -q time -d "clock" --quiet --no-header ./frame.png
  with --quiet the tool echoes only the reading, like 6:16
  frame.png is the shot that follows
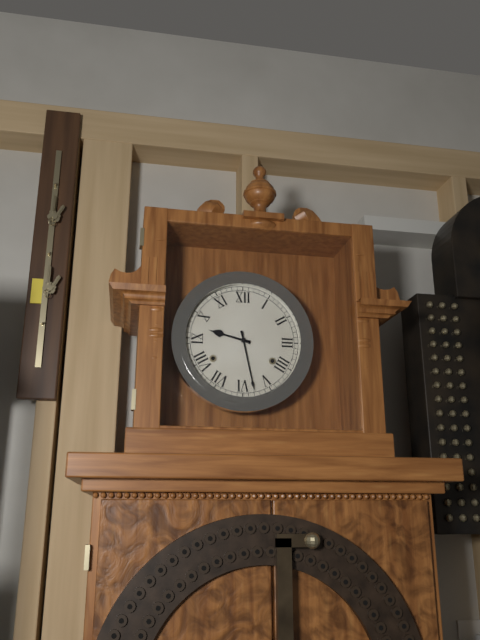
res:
9:28
